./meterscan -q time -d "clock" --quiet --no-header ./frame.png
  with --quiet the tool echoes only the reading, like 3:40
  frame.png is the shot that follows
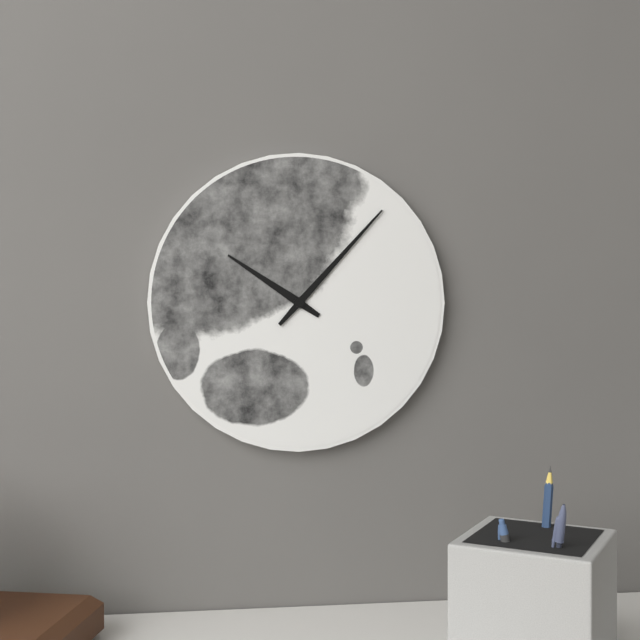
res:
10:07
